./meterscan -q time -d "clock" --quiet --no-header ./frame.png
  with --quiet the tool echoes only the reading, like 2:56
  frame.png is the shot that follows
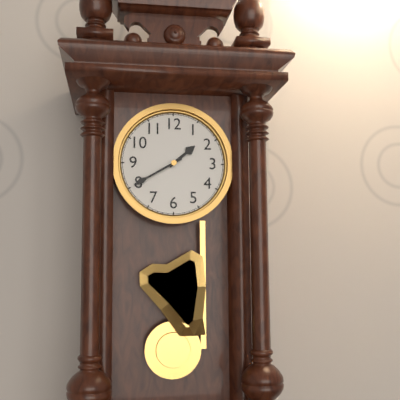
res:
1:40
